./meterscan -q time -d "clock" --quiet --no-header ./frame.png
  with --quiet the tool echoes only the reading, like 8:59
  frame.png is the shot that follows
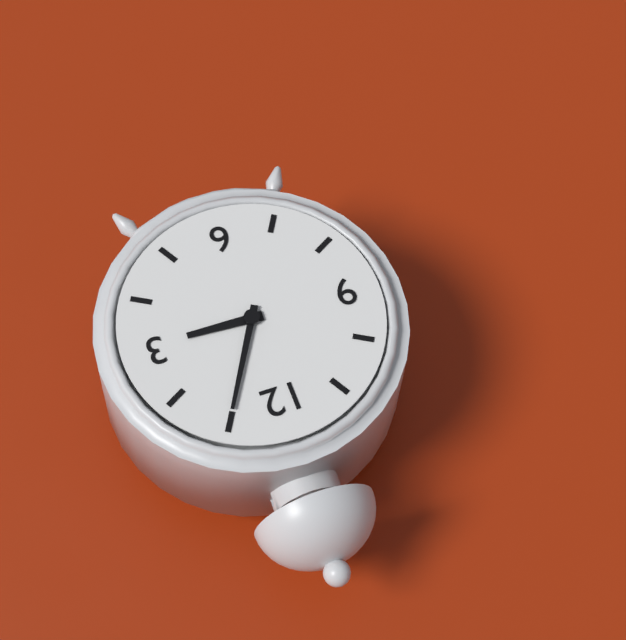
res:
3:05
